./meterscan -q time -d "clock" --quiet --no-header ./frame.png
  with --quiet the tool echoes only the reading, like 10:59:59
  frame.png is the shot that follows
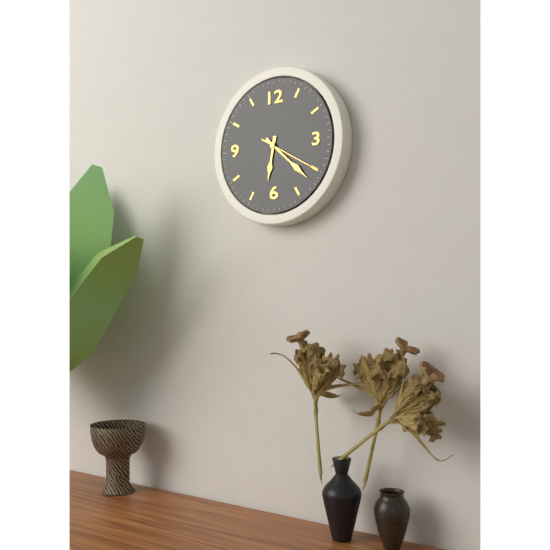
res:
6:22:20
